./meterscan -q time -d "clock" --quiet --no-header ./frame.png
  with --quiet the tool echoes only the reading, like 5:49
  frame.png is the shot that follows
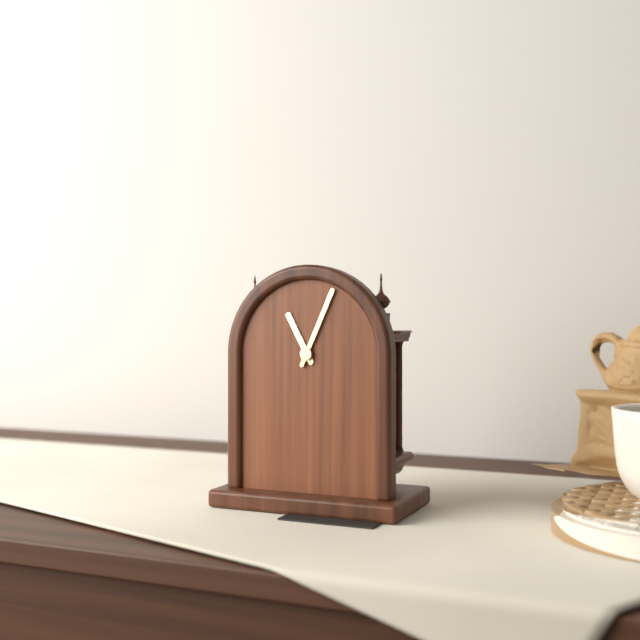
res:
11:04
